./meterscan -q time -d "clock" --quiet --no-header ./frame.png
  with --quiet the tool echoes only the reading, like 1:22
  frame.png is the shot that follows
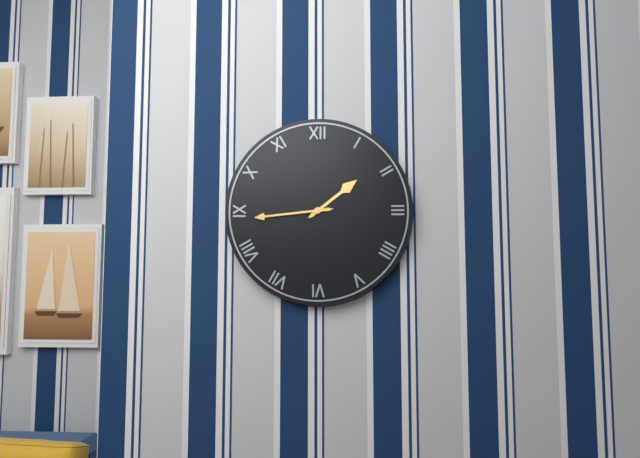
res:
1:44
